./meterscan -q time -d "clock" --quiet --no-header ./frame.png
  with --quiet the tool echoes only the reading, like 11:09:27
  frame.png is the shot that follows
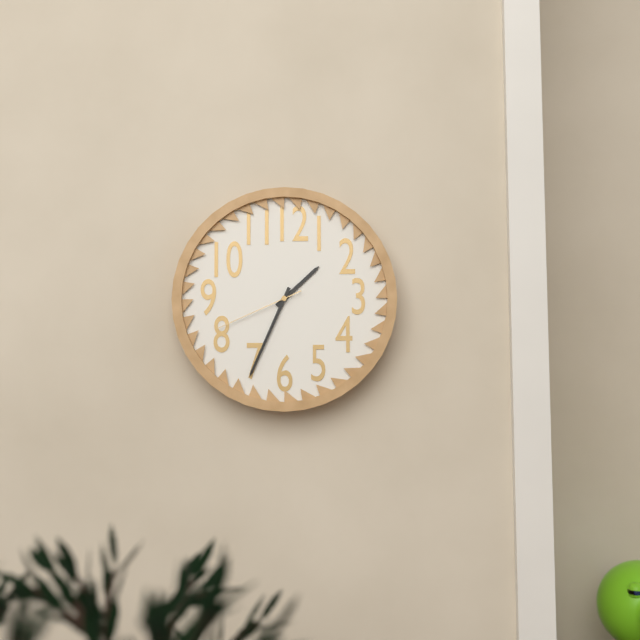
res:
1:34:41
